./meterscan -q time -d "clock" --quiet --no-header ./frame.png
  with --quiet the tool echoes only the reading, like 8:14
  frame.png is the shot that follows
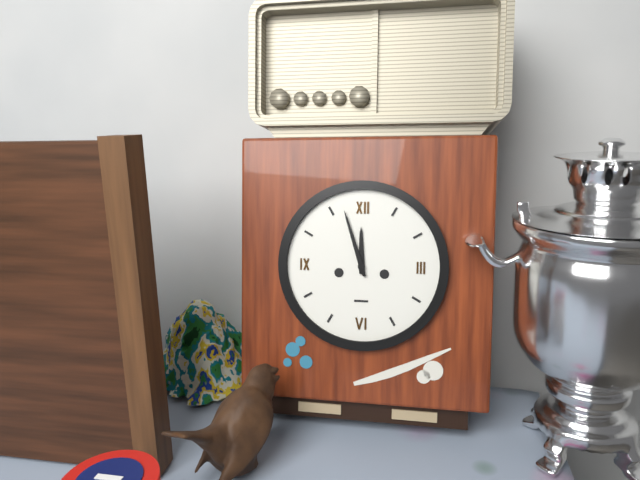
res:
11:57
